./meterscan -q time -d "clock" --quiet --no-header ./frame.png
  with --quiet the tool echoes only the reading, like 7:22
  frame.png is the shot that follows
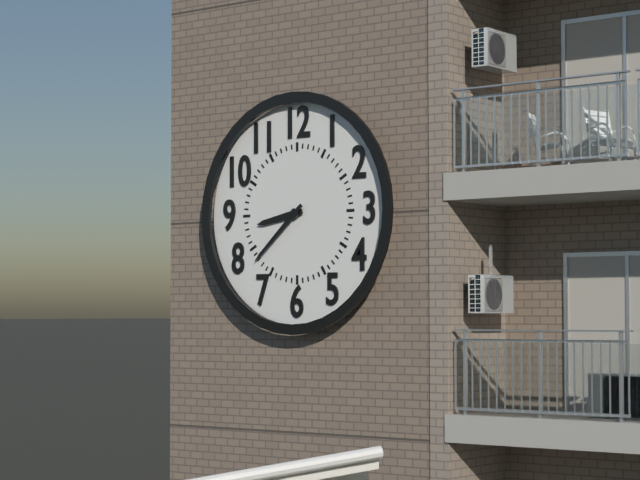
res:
8:38
